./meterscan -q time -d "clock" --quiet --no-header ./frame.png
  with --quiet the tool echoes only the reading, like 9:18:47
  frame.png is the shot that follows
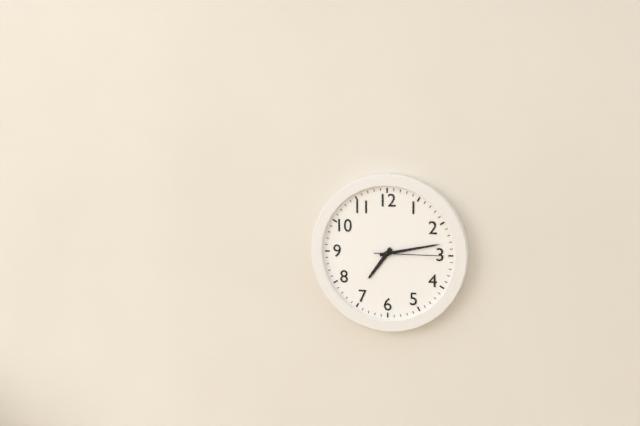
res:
7:13:15
